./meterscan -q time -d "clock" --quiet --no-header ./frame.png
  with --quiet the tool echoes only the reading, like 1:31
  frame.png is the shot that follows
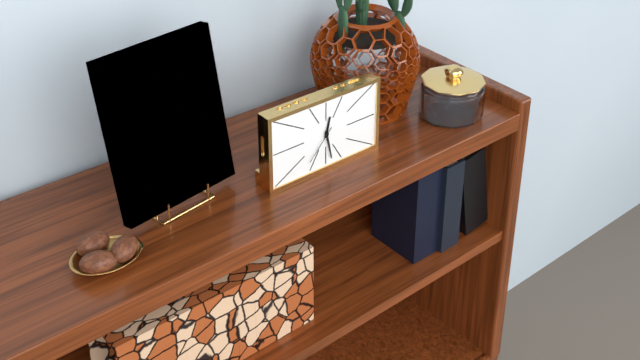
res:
12:28
